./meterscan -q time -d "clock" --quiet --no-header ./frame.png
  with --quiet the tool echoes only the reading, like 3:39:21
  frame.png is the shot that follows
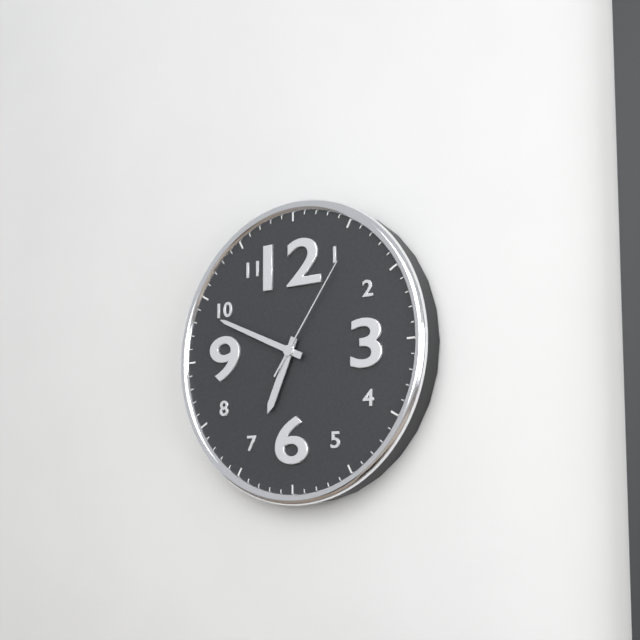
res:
6:49:06
